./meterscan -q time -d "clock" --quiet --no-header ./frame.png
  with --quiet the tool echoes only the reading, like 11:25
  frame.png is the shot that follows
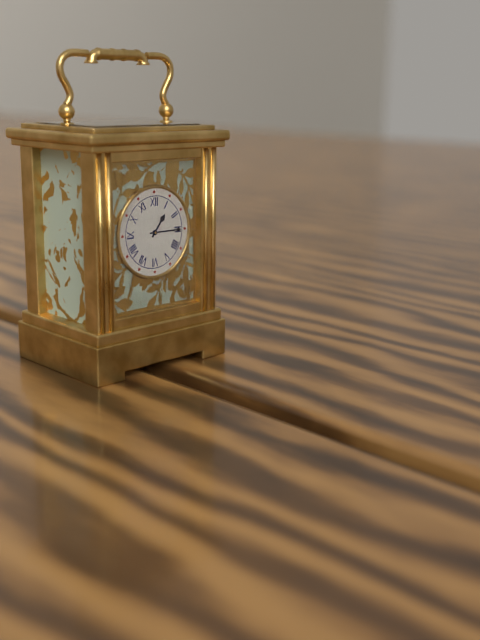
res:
1:15
